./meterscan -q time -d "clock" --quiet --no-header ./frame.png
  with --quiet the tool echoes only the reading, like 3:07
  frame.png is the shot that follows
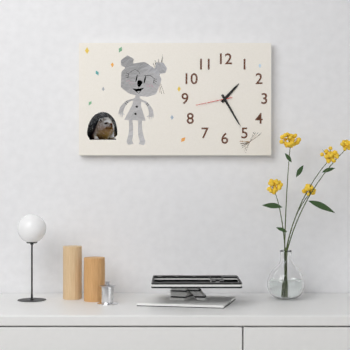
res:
1:25
